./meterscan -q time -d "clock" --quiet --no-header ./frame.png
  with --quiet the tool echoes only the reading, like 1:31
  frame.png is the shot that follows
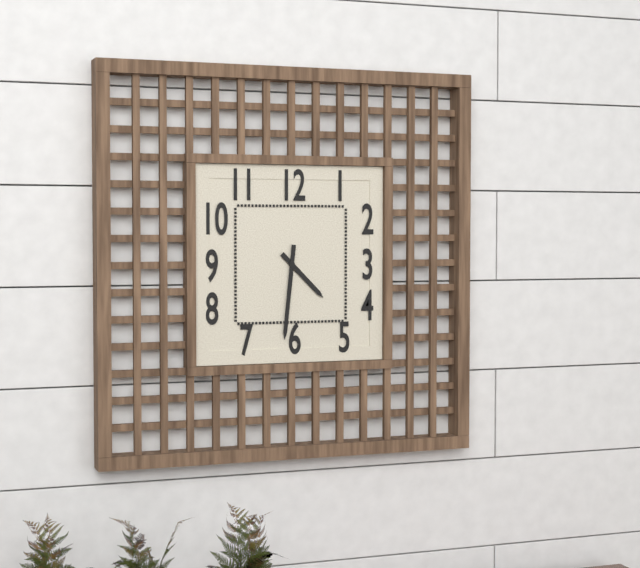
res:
4:31
